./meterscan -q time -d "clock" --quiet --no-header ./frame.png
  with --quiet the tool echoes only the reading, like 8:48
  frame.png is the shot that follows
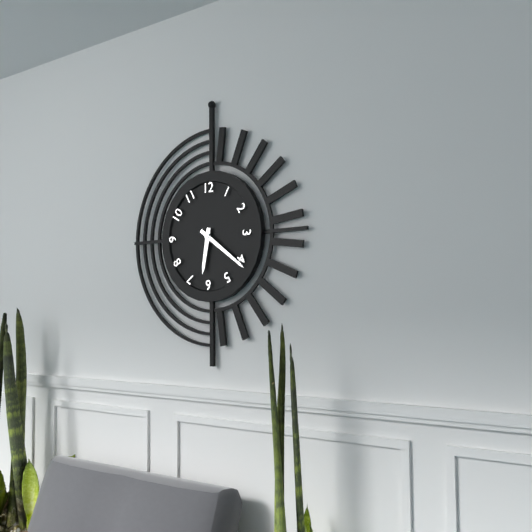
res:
6:21
